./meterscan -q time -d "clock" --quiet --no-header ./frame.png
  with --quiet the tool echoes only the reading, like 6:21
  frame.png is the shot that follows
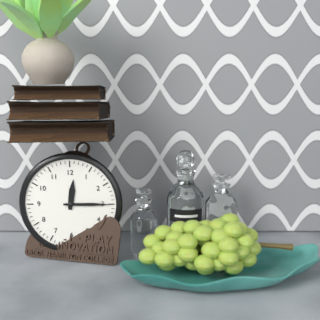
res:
12:15
